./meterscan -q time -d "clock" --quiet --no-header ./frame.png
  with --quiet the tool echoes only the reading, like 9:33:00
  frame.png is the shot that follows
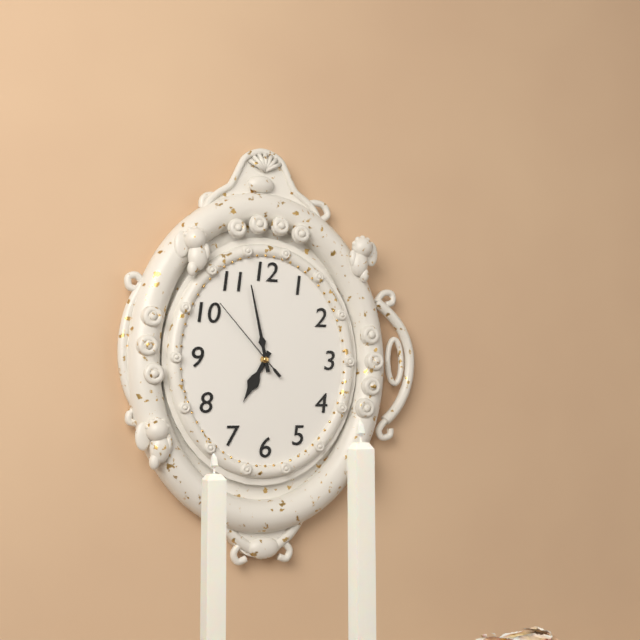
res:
6:58:53
